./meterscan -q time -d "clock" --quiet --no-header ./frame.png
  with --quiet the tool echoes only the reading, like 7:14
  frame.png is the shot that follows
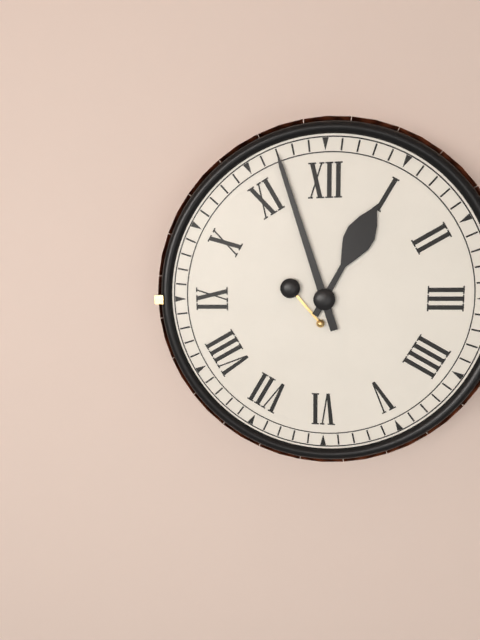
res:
12:57
